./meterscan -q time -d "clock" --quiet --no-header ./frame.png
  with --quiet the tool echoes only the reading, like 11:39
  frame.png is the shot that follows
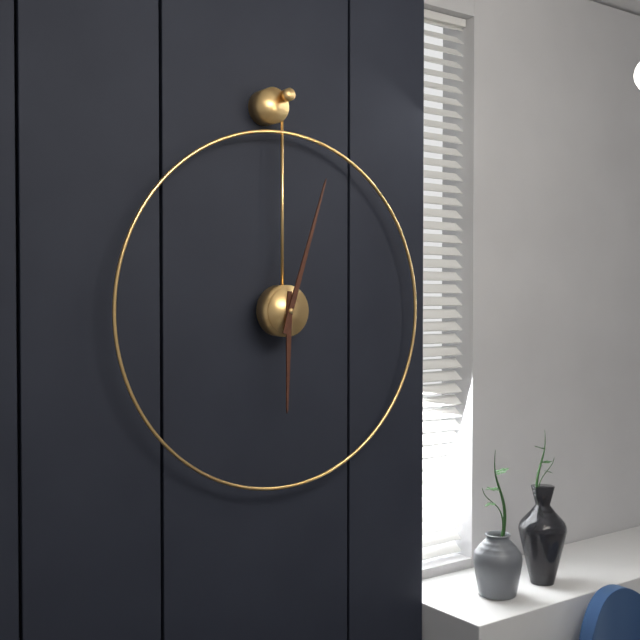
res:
6:03
